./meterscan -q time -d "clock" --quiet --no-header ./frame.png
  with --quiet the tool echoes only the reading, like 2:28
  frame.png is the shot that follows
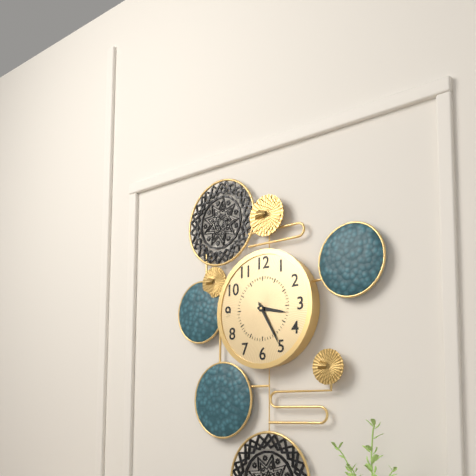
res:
3:25
